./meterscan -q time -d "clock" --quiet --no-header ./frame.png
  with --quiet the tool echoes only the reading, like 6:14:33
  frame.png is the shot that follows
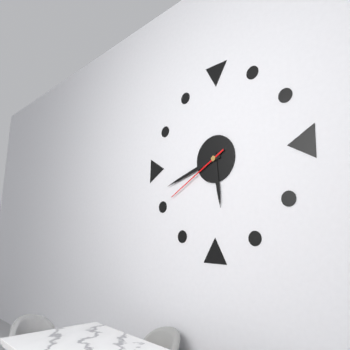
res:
5:42:40
